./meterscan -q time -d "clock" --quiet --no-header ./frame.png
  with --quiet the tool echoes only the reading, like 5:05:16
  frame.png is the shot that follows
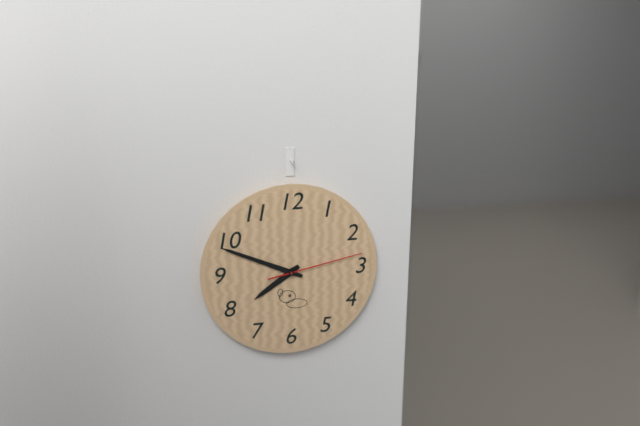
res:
7:49:13
